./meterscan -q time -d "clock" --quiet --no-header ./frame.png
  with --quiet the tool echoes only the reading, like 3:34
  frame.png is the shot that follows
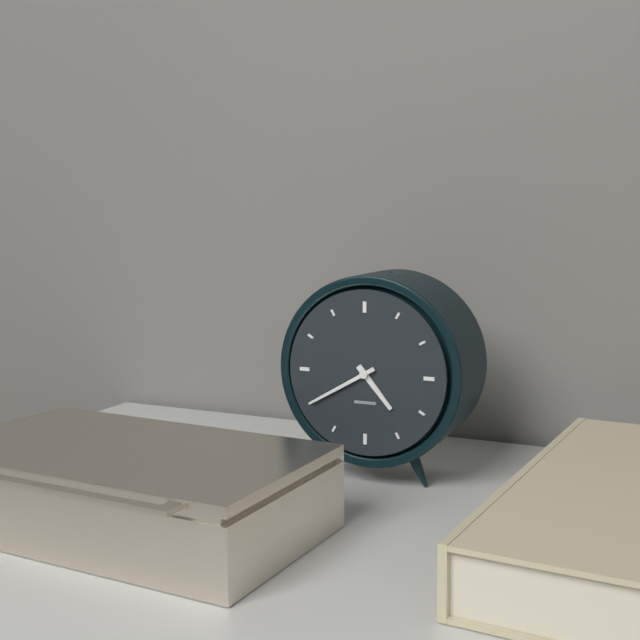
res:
4:40
